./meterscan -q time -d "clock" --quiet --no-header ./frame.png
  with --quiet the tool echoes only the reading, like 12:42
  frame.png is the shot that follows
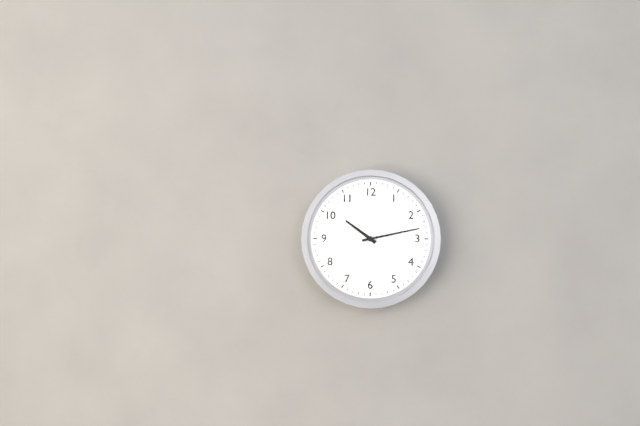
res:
10:13
